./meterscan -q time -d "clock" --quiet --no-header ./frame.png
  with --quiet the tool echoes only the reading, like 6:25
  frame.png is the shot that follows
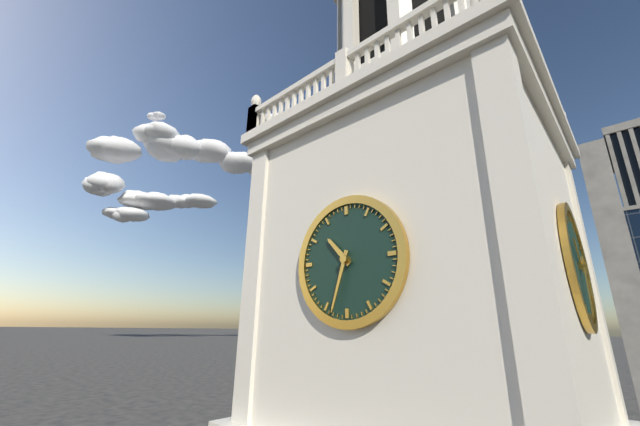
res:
10:33
